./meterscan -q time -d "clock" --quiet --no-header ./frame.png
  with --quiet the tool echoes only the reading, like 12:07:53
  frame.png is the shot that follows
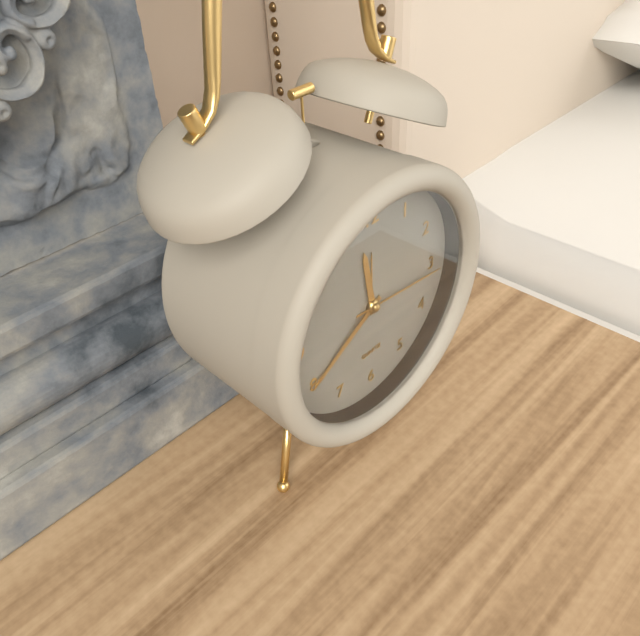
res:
11:40:16
